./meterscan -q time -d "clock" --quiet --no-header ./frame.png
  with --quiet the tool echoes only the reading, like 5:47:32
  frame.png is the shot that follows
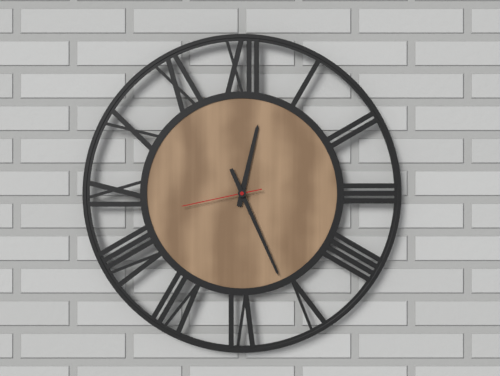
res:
12:26:43
